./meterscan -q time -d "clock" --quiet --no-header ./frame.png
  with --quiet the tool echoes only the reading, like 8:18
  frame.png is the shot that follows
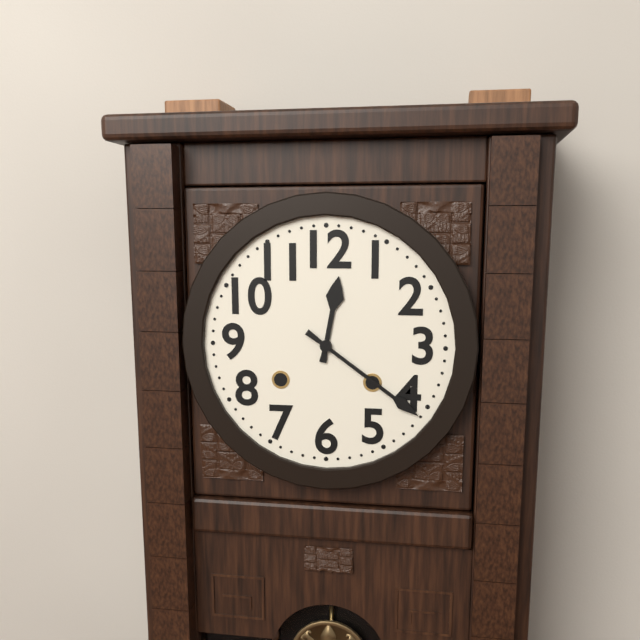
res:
12:21
